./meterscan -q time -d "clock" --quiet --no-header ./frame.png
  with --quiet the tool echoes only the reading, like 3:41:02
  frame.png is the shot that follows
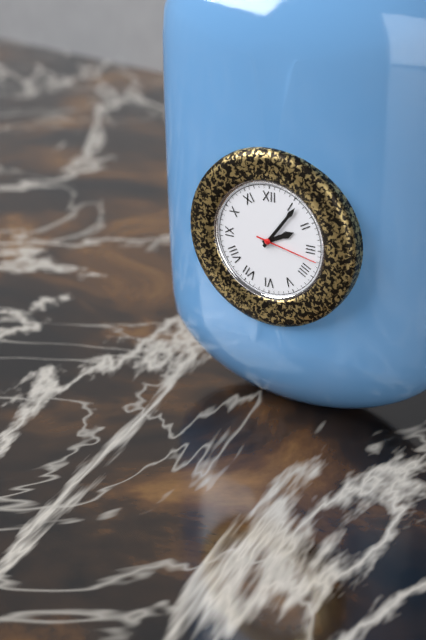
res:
2:06:17
